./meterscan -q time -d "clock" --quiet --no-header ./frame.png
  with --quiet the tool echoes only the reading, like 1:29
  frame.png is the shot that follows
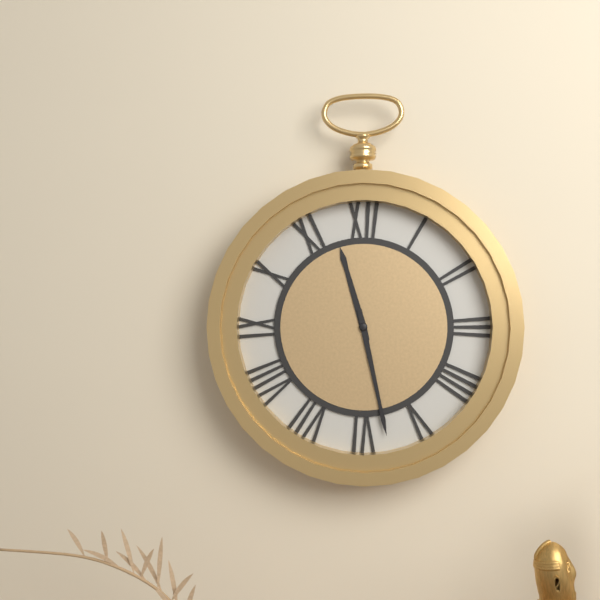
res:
11:28
